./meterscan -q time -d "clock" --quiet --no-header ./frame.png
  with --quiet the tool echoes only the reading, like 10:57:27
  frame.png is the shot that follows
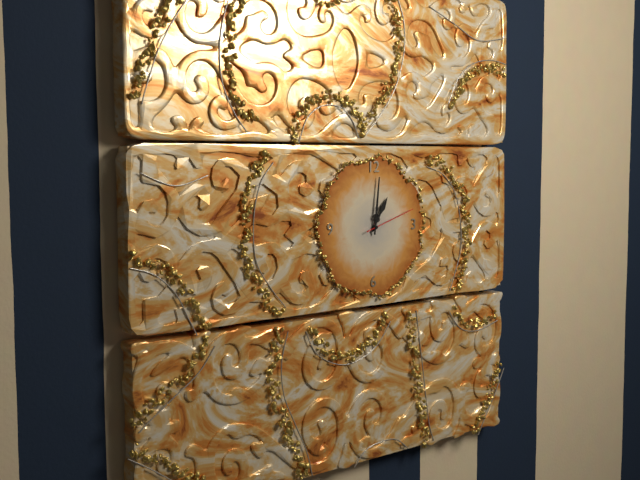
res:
1:01:12
